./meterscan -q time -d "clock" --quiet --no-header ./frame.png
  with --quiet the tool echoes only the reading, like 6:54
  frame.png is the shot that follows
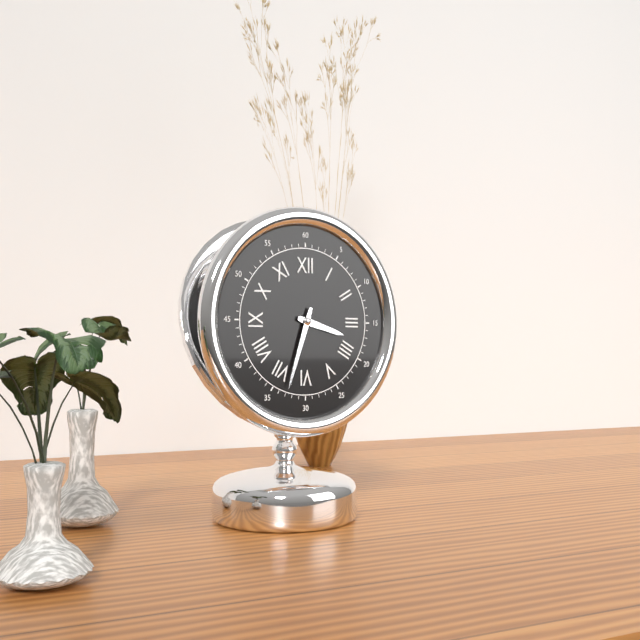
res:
3:33
